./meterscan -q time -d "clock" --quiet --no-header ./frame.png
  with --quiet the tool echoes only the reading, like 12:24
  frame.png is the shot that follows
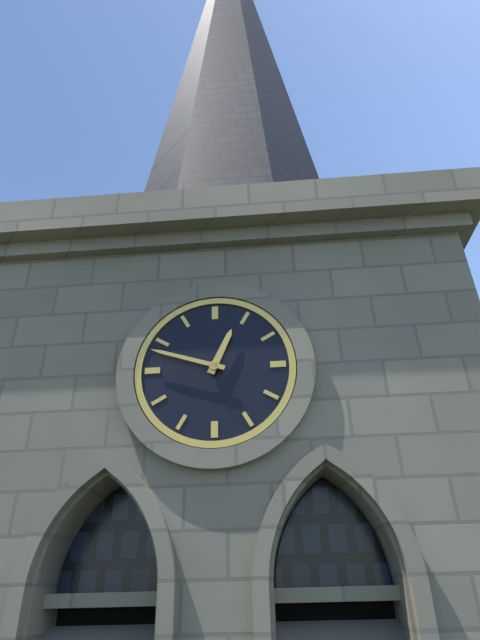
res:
12:48
